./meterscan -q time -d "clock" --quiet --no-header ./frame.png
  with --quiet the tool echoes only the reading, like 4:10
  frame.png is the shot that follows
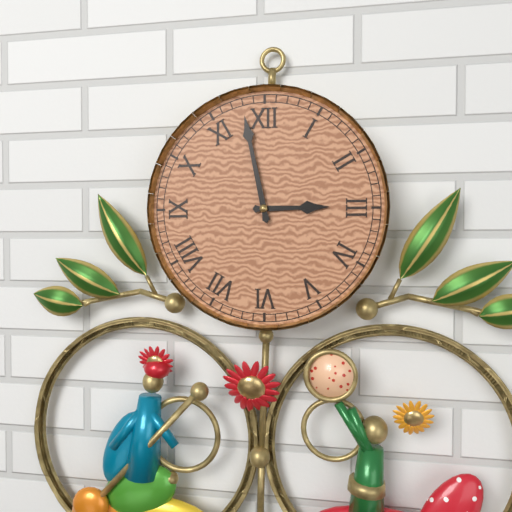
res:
2:58
